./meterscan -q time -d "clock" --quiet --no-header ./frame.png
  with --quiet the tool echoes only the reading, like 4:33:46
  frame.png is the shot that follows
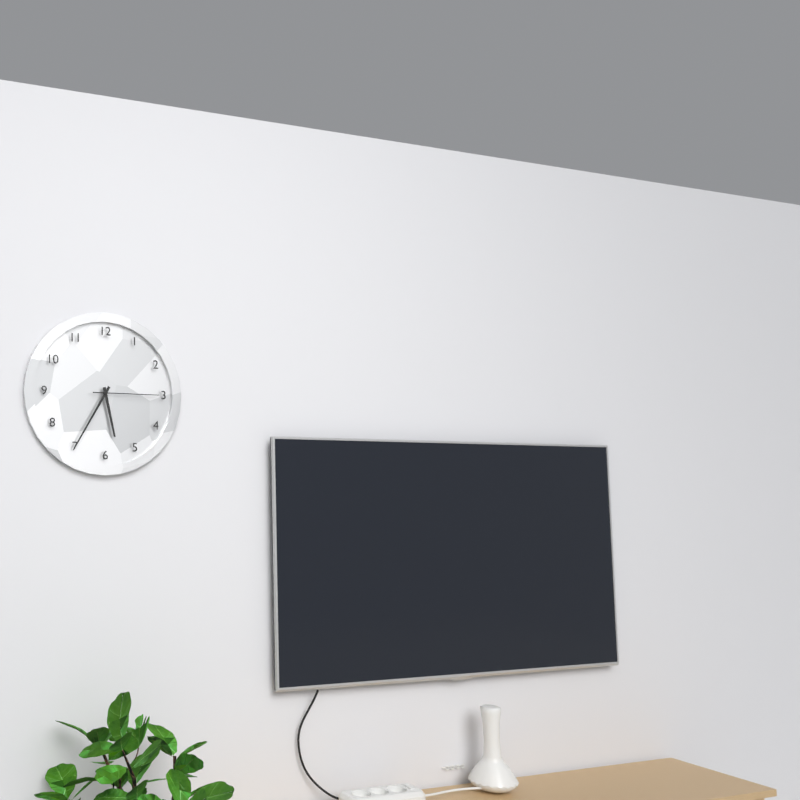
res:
5:35:15
